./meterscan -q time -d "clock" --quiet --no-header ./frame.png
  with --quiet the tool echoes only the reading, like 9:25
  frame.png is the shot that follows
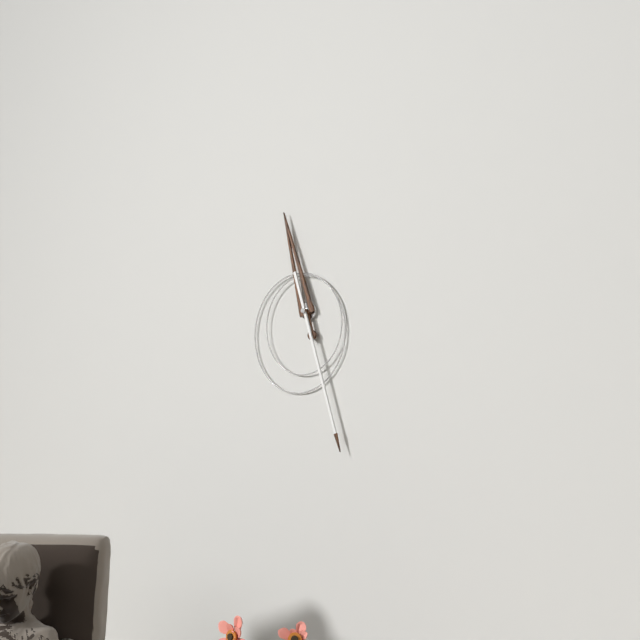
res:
11:27
